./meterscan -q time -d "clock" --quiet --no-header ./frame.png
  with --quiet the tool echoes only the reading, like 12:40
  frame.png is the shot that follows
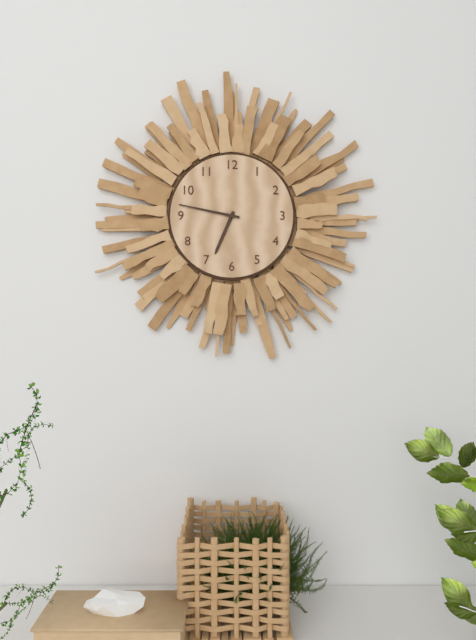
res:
6:47
